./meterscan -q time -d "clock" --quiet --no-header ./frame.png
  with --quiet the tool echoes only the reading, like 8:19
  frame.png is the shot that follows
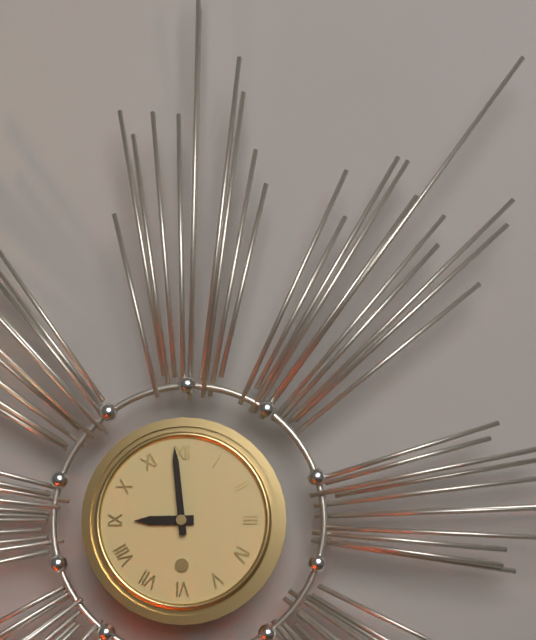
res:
8:59
